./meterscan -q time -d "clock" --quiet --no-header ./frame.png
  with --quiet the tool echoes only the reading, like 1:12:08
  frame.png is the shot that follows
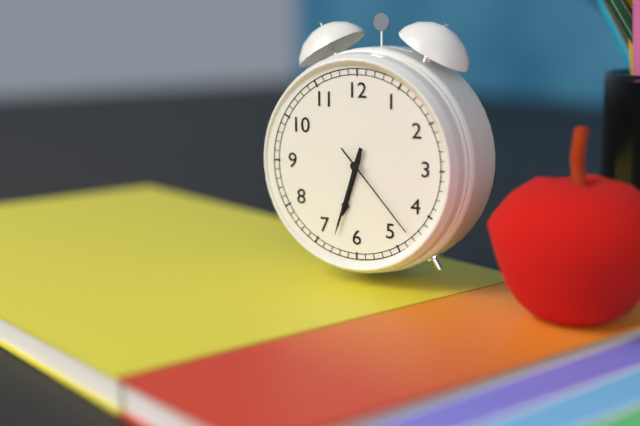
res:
6:33:23
